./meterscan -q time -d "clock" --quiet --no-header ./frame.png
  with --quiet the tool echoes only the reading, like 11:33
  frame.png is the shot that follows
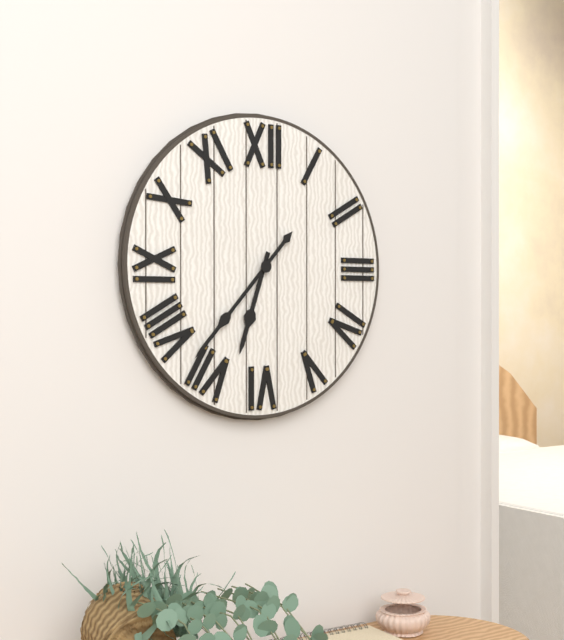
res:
6:37
